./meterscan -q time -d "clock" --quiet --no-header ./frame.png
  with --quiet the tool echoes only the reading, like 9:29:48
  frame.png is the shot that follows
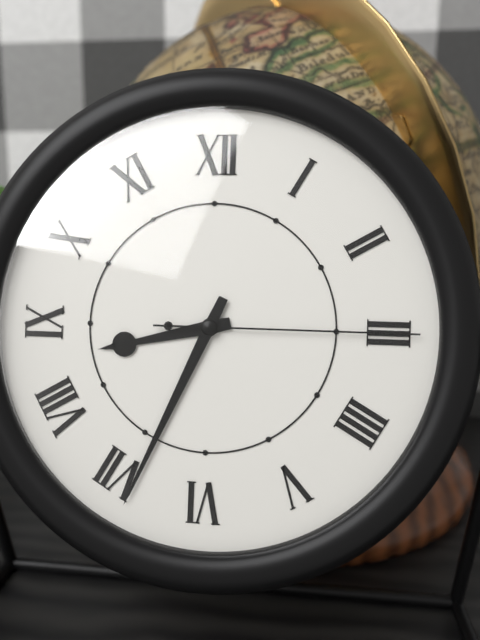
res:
8:34:15
